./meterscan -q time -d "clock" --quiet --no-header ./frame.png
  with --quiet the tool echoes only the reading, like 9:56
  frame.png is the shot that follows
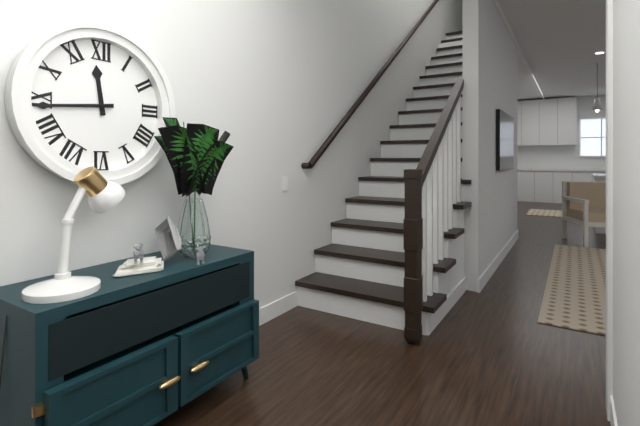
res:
11:44
